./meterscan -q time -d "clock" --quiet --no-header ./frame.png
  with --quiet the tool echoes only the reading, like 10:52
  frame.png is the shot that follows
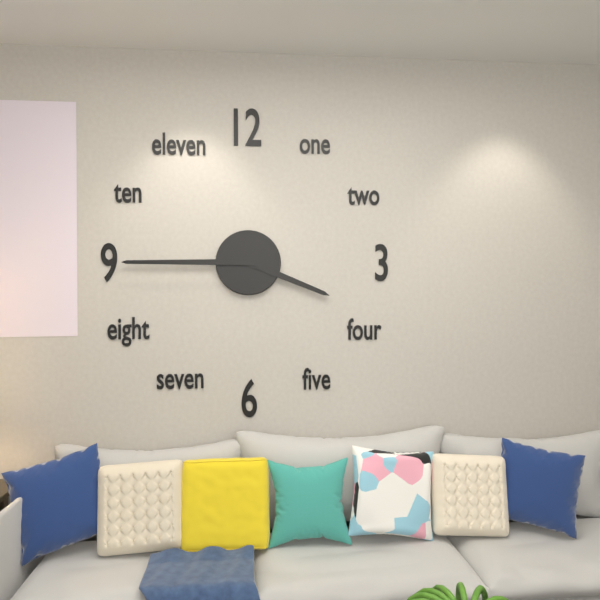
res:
3:45
